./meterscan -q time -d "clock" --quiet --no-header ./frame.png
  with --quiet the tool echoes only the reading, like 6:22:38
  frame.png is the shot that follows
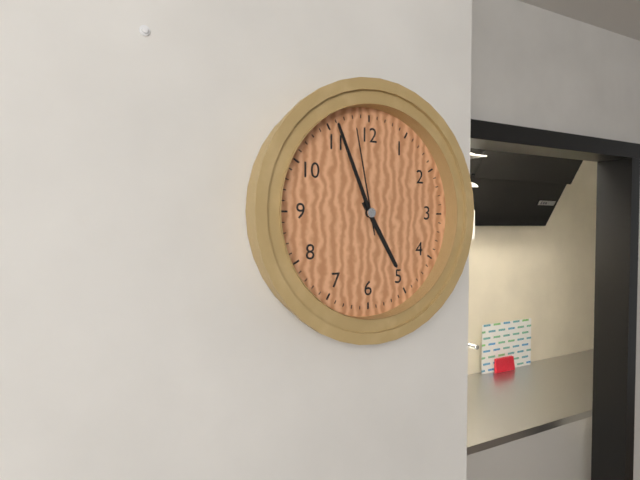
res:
4:56:58
